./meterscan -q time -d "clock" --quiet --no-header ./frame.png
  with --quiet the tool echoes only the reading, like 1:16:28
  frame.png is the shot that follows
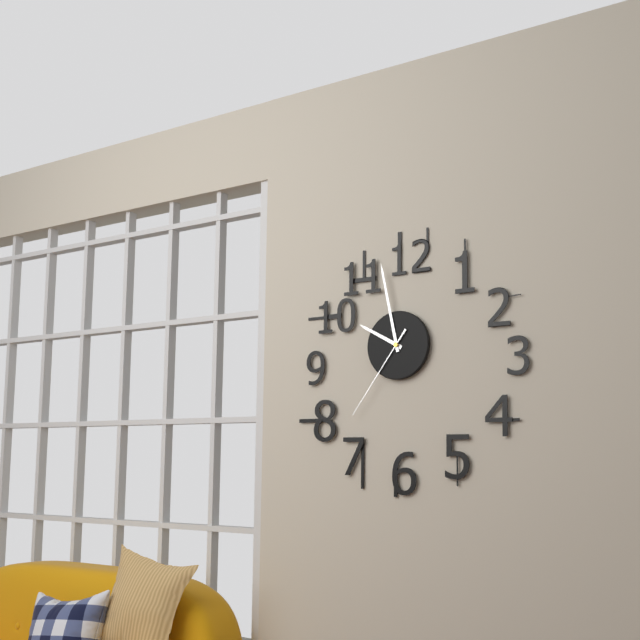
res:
9:58:36
